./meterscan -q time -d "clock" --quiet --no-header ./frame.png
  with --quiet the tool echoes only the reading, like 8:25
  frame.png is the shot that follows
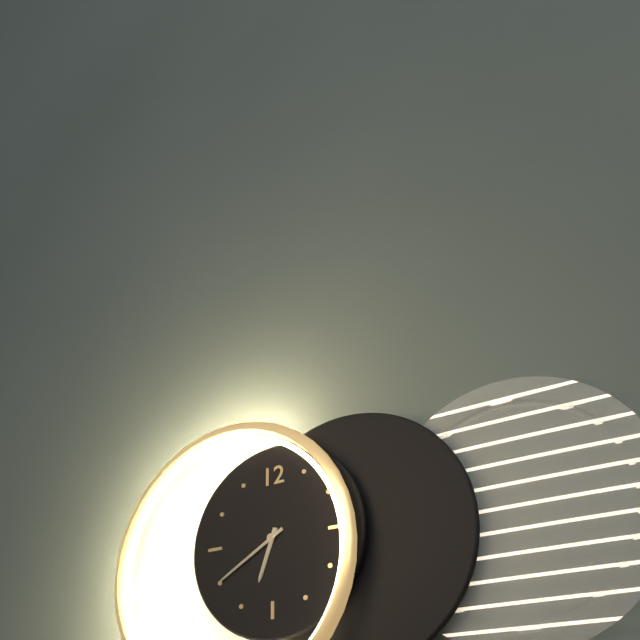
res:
6:40
